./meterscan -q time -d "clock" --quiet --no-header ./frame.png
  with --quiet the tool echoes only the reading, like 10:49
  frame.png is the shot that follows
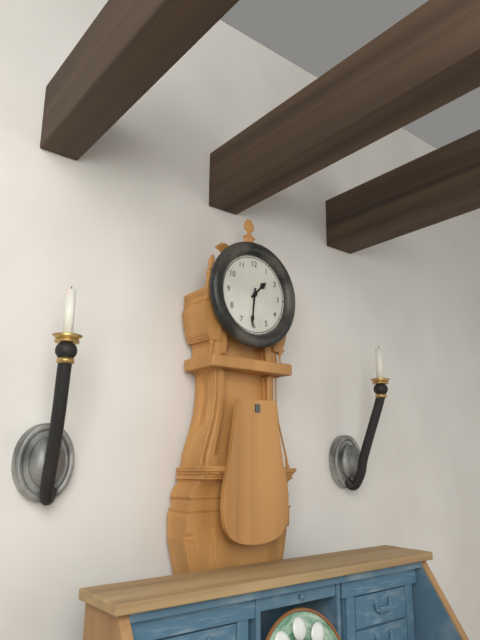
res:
1:31
